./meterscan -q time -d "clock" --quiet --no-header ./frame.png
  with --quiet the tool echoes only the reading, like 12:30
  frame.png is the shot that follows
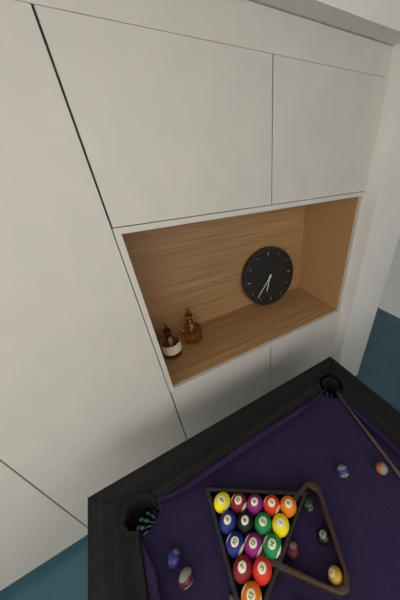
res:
6:37
